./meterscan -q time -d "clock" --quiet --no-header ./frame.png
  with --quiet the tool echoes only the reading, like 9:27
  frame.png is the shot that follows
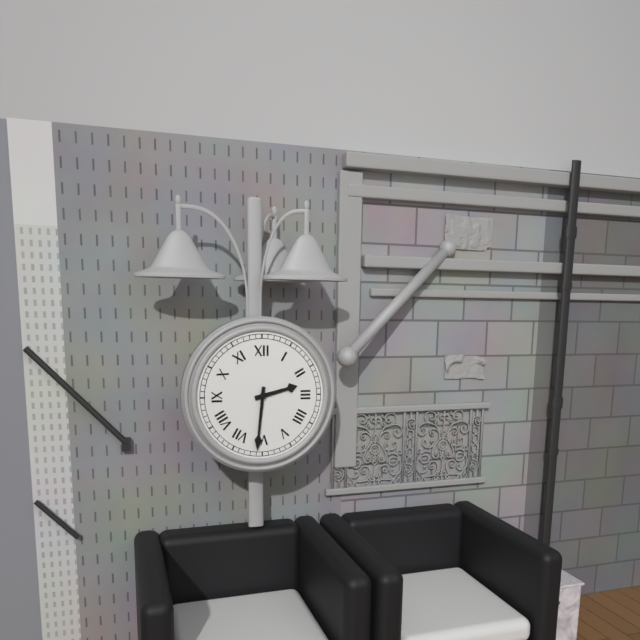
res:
2:31
